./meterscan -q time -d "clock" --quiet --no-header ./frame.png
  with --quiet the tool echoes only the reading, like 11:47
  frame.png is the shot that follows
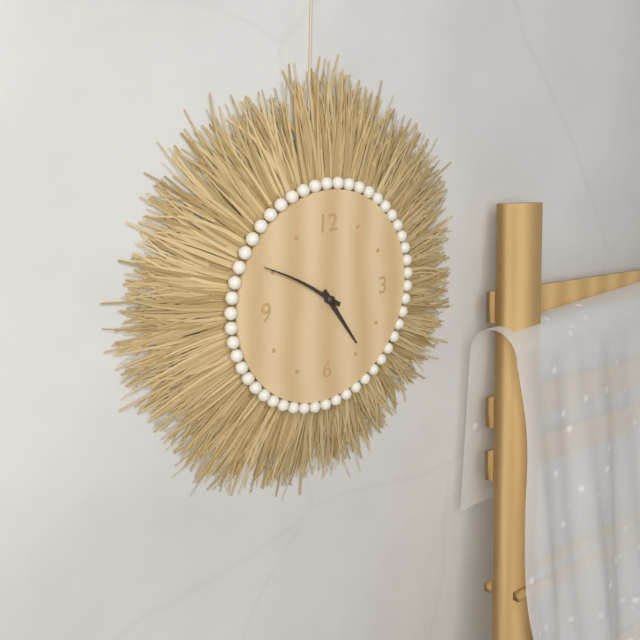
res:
4:50
